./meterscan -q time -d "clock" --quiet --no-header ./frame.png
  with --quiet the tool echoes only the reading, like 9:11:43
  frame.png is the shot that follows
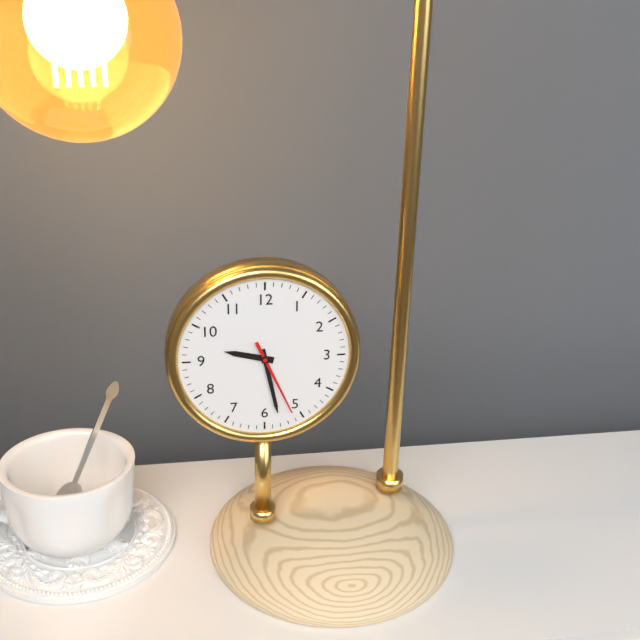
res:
9:28:26
